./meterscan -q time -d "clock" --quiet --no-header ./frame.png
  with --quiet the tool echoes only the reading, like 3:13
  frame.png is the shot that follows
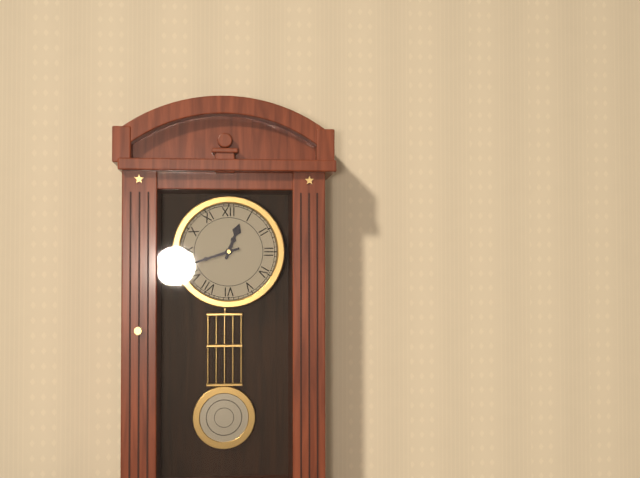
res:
12:42
